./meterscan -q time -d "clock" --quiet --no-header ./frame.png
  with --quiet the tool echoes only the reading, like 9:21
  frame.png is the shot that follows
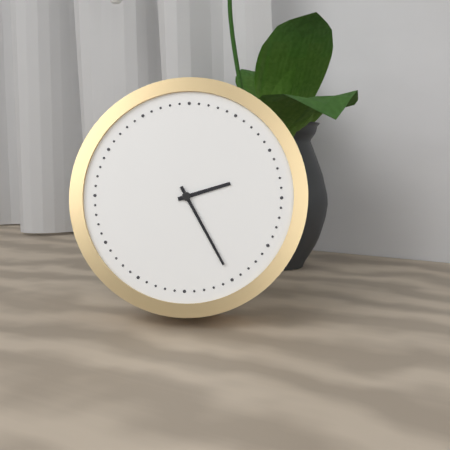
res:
2:25
